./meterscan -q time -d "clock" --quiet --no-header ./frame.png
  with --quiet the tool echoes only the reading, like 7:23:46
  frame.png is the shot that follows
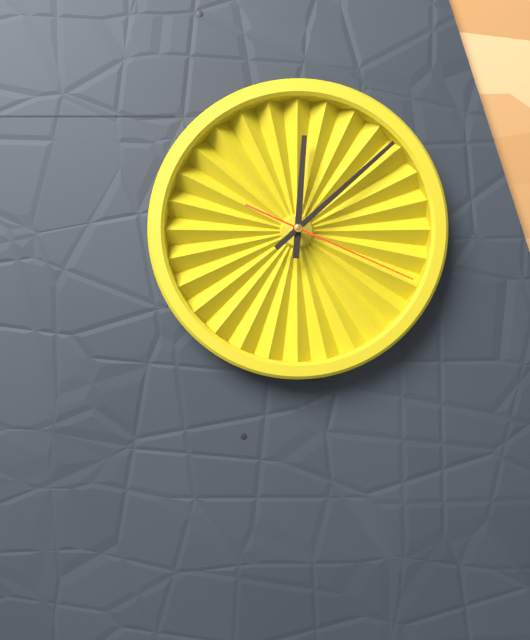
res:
12:08:19
